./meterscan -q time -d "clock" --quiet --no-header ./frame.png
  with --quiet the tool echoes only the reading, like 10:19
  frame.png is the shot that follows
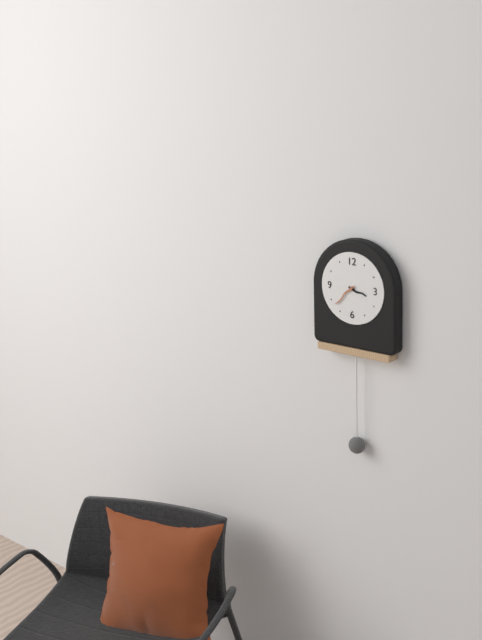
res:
3:38
